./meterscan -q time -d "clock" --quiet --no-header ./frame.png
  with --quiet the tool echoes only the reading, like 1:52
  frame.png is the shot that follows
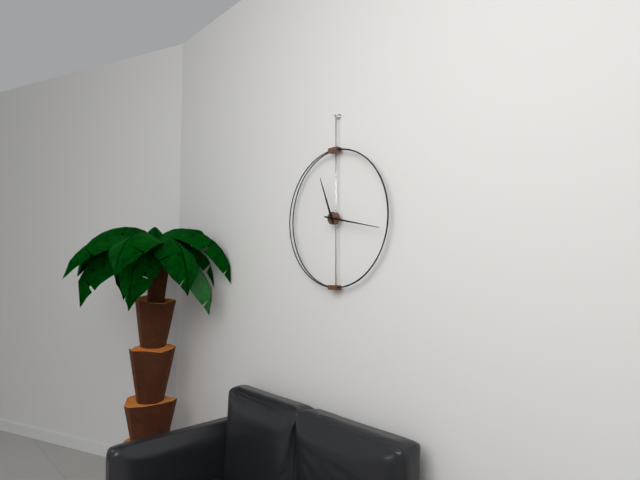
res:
11:17
